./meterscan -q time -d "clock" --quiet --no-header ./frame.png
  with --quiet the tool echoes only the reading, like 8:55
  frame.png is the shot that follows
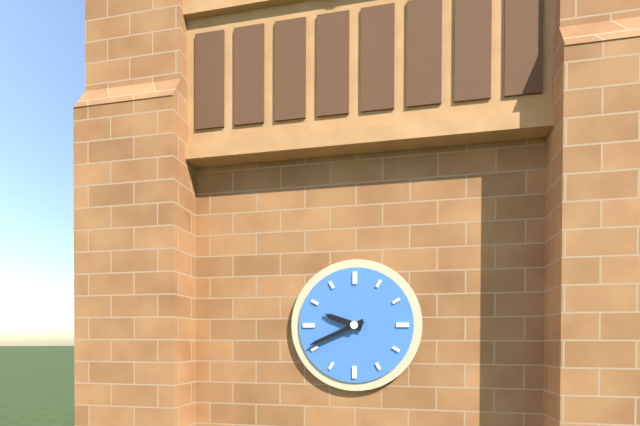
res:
9:41
